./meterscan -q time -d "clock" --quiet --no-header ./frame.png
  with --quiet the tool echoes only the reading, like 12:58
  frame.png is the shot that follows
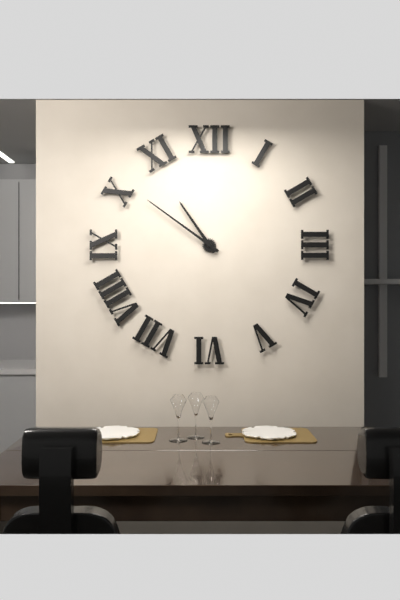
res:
10:51
